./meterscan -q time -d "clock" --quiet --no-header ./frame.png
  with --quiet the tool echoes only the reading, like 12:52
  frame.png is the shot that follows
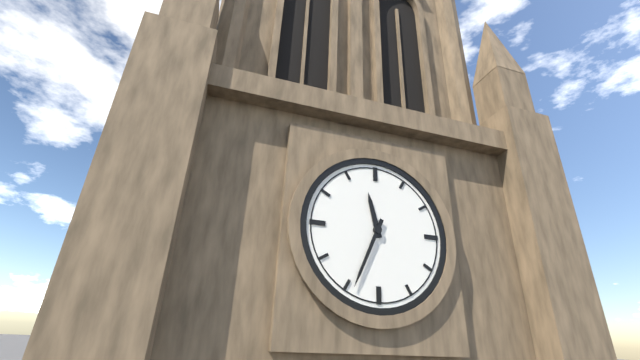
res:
11:34
